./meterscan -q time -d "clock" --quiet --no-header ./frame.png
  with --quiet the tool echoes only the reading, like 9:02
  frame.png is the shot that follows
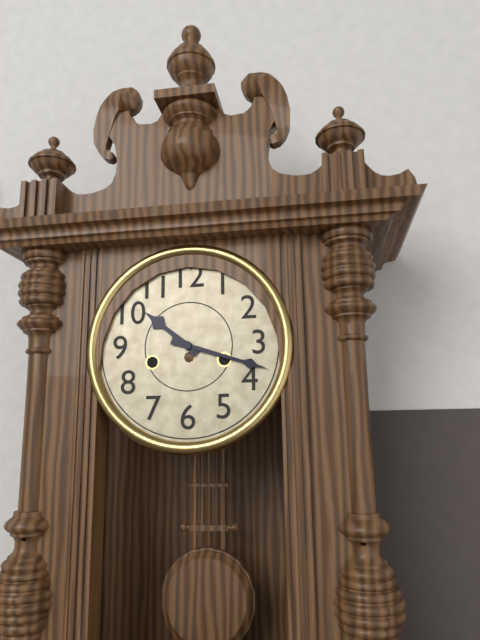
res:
10:18
